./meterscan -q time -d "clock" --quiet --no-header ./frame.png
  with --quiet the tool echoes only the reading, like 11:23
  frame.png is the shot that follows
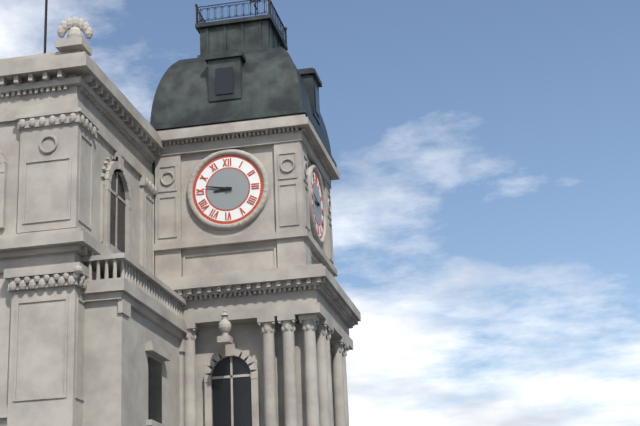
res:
8:47
